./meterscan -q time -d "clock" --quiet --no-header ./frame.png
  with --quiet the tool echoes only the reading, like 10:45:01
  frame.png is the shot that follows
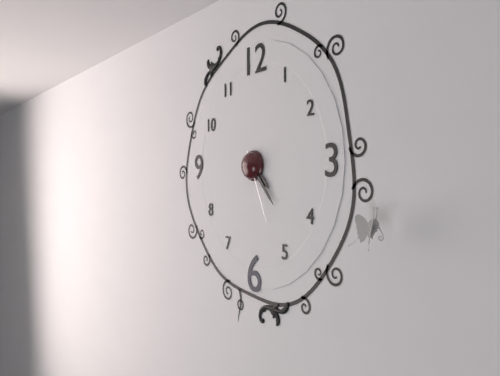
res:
4:23:26
